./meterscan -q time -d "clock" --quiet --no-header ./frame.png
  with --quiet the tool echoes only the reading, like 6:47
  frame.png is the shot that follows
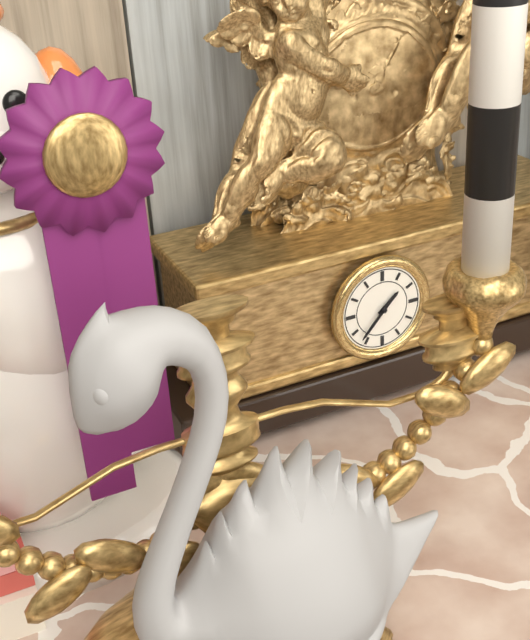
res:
1:37
